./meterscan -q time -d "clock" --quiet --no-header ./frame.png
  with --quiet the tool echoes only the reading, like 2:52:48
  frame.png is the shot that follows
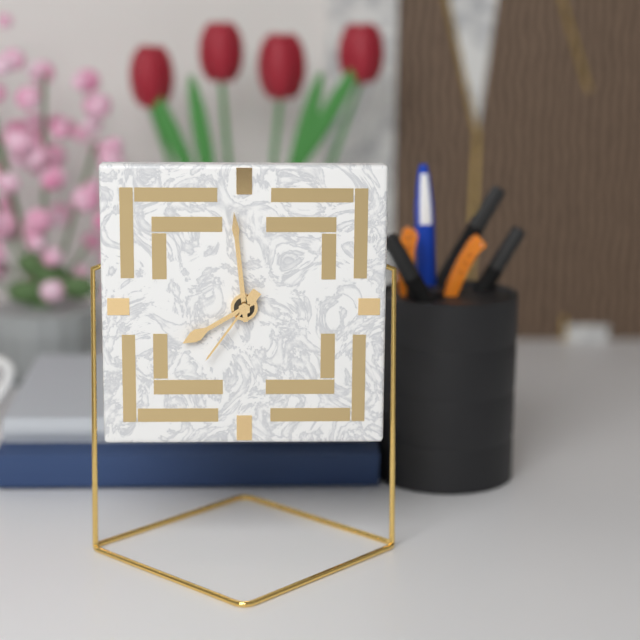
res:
7:59:36
